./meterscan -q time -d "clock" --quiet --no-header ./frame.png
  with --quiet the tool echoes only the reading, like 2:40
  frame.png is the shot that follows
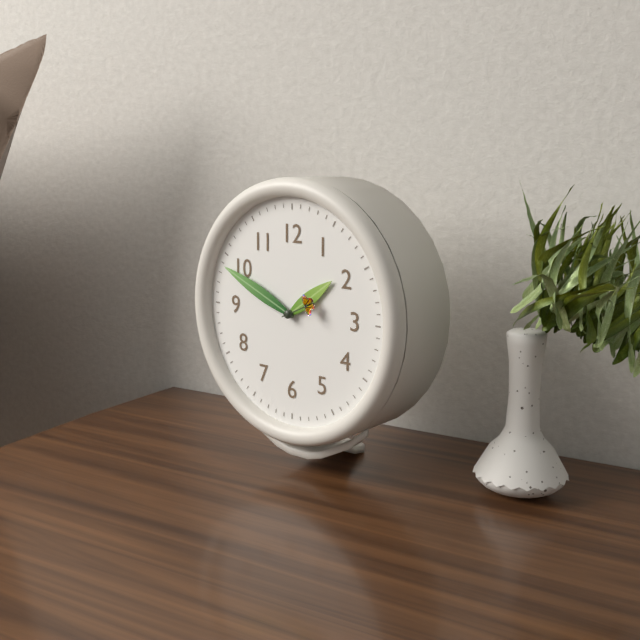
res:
1:49
